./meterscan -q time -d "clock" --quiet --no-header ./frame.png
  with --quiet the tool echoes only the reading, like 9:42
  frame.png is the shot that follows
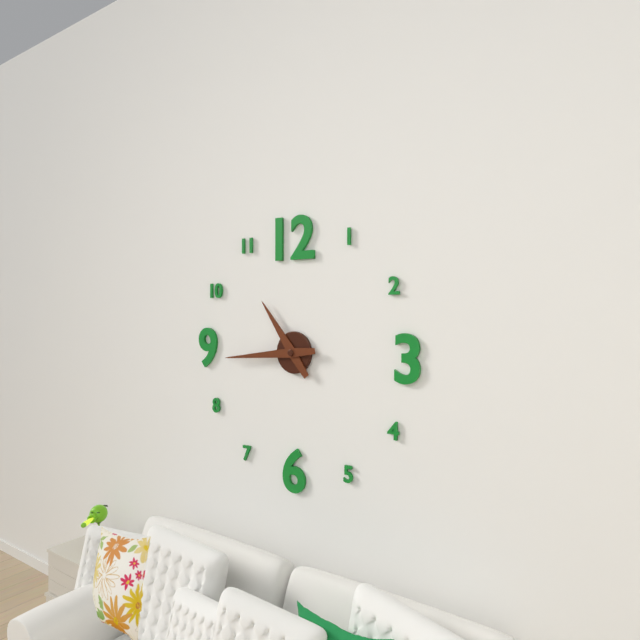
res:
10:44
